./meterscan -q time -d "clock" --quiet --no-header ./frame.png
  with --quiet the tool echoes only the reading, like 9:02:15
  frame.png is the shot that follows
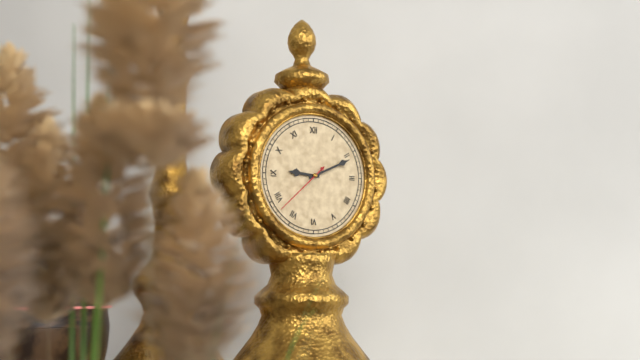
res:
9:11:38
